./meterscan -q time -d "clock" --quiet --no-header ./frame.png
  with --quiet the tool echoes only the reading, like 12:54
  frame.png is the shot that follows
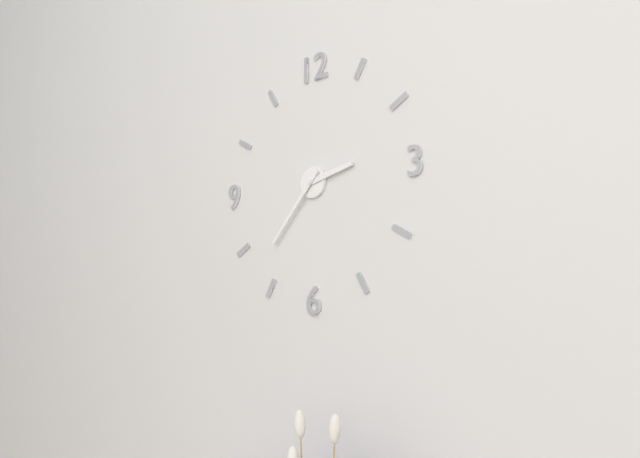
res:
2:37
